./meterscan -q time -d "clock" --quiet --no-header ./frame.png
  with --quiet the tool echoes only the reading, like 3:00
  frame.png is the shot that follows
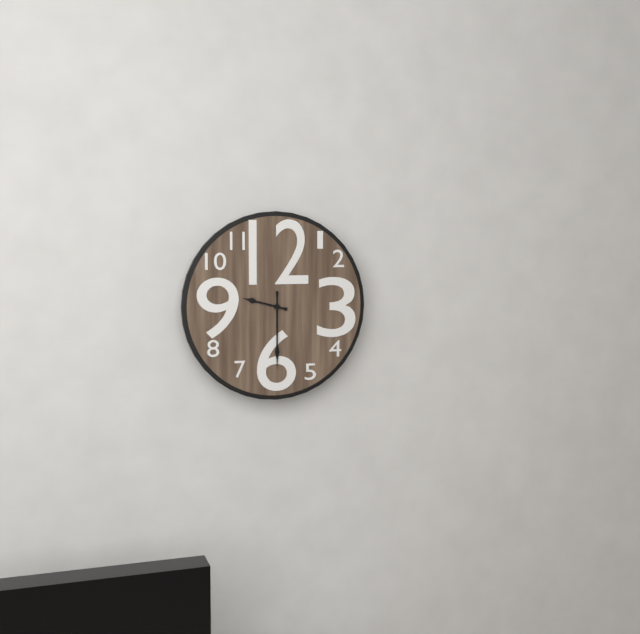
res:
9:30
